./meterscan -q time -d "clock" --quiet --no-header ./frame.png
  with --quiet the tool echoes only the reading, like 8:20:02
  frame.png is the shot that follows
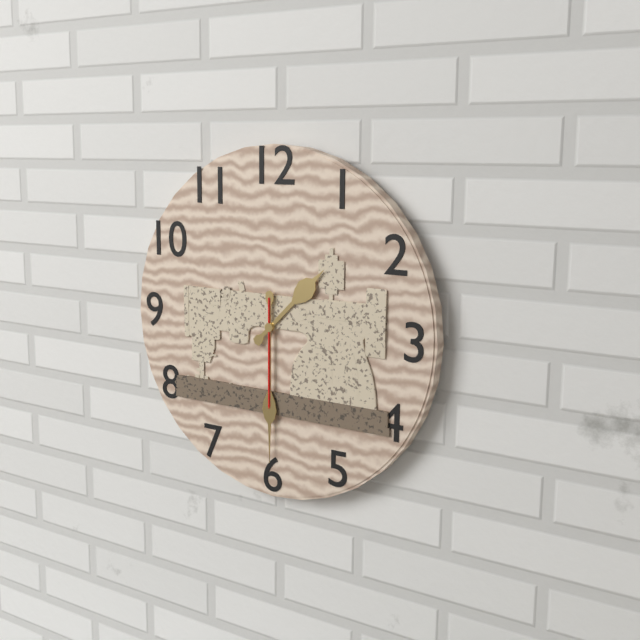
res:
1:30:30
